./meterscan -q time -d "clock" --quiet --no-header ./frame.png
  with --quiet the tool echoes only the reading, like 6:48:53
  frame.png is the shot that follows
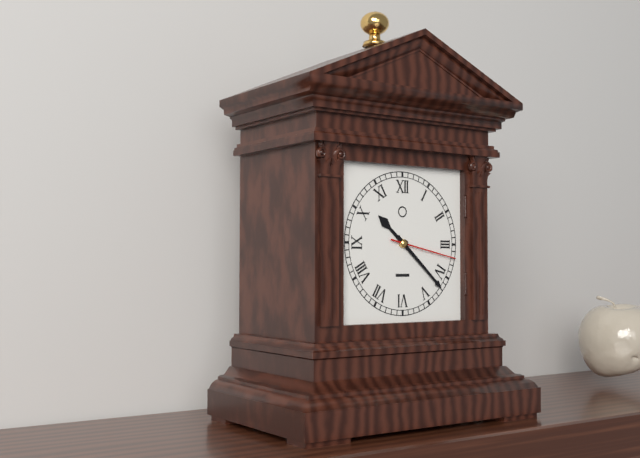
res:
10:22:17
